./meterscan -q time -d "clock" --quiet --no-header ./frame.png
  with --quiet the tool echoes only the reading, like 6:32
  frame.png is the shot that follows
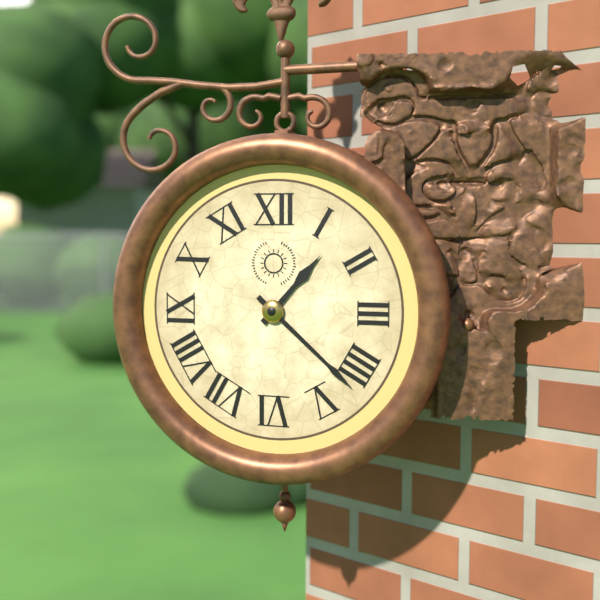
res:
1:22
